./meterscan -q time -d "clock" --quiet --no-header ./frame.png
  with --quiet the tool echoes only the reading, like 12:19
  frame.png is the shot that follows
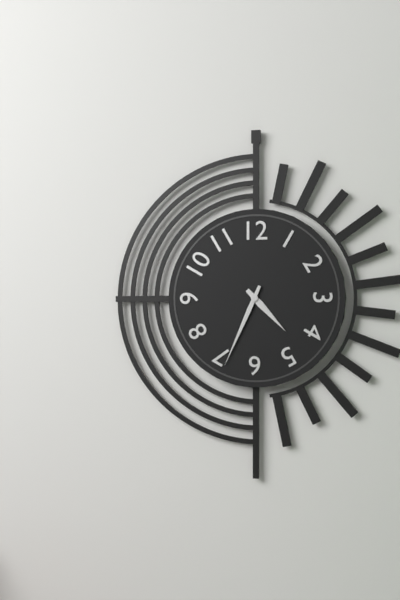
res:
4:34
